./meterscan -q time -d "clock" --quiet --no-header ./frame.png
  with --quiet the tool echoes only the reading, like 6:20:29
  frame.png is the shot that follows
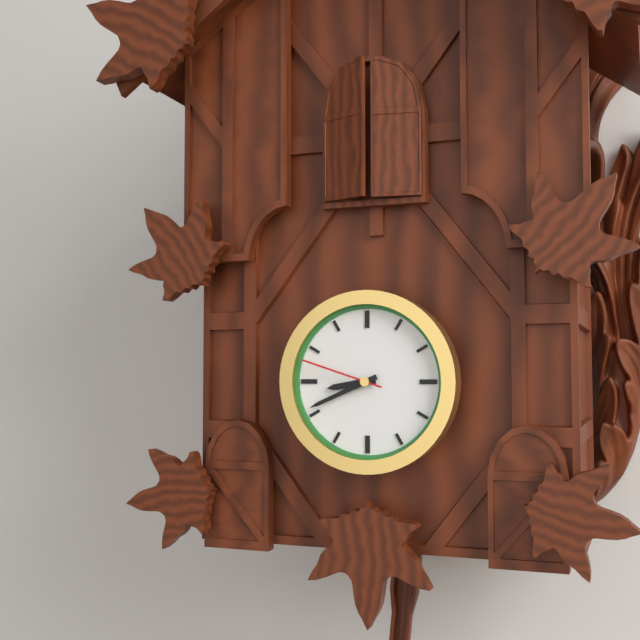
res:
8:41:48
